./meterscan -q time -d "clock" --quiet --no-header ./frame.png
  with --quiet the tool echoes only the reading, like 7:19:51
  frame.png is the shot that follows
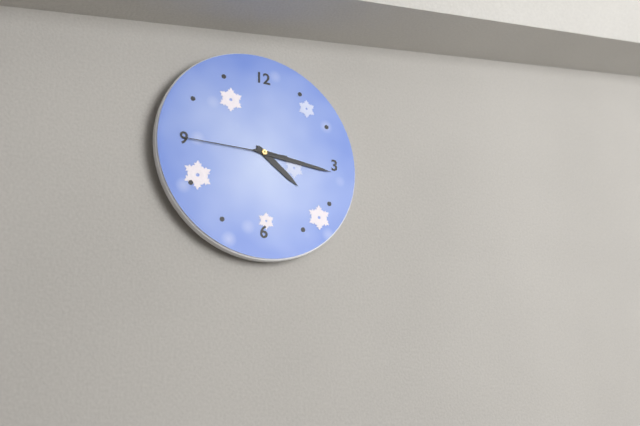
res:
4:16:45
